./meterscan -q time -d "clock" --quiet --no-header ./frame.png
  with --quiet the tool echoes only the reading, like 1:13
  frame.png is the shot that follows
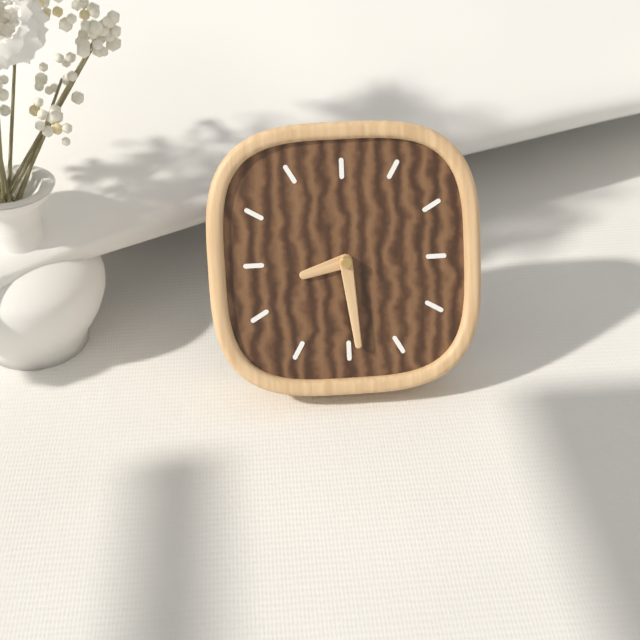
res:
8:29
